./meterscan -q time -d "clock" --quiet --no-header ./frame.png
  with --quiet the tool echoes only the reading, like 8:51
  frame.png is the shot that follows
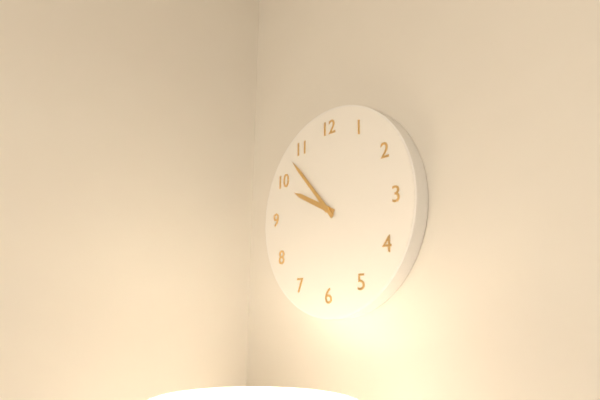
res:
9:53
